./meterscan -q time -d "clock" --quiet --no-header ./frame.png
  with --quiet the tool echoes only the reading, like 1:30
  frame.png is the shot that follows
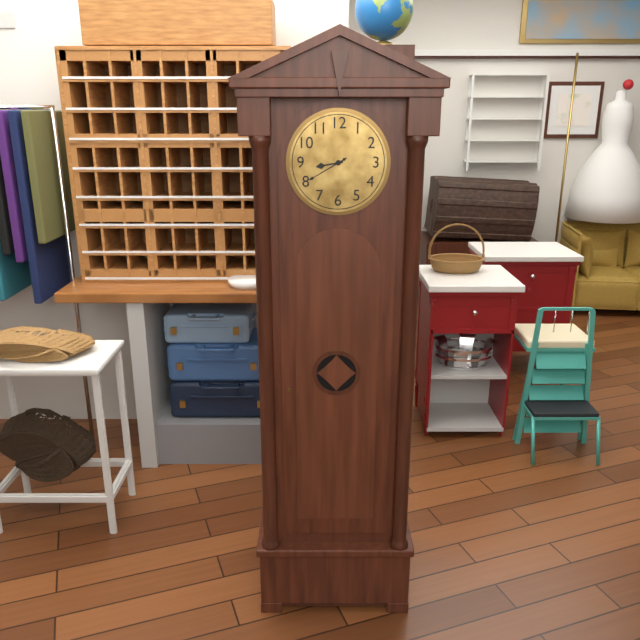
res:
8:40
